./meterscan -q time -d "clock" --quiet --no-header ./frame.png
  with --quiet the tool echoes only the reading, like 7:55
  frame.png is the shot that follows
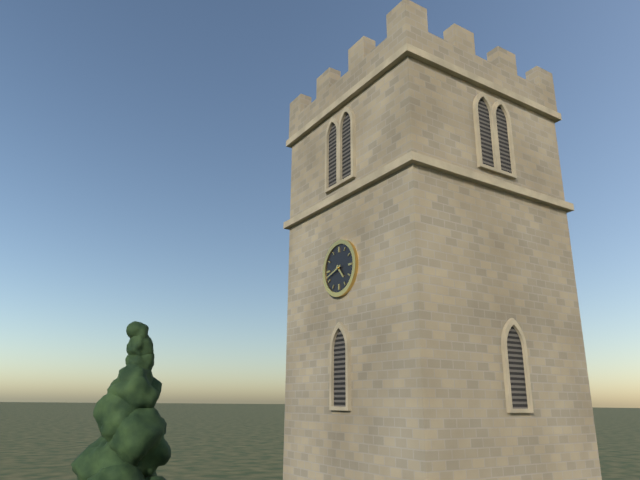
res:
4:42
